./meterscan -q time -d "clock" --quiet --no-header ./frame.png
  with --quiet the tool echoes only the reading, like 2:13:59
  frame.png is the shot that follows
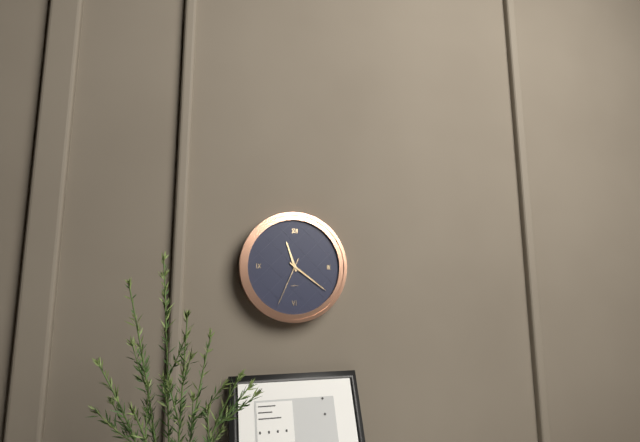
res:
11:21:34
